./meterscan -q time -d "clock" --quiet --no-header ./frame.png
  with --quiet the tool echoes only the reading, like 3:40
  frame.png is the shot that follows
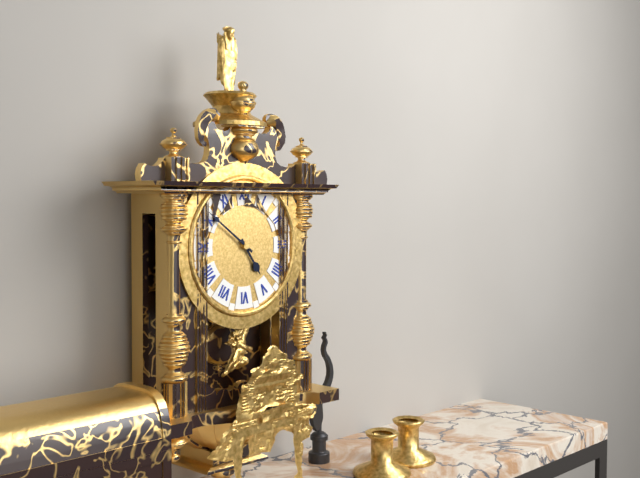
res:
4:51
